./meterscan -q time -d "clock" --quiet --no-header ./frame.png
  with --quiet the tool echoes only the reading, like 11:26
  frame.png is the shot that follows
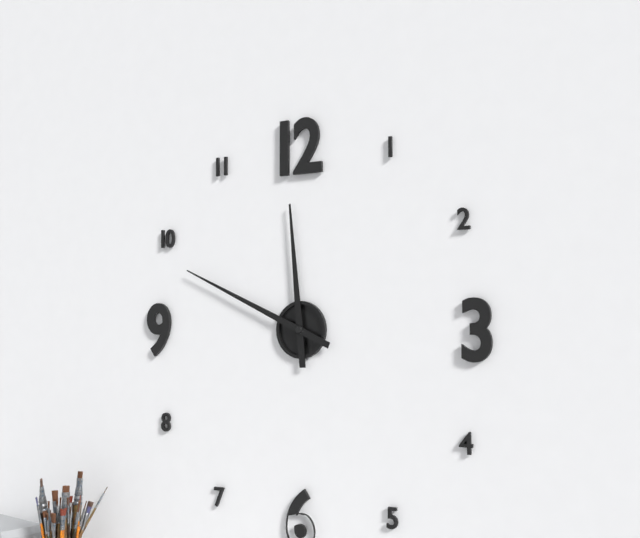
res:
11:49
